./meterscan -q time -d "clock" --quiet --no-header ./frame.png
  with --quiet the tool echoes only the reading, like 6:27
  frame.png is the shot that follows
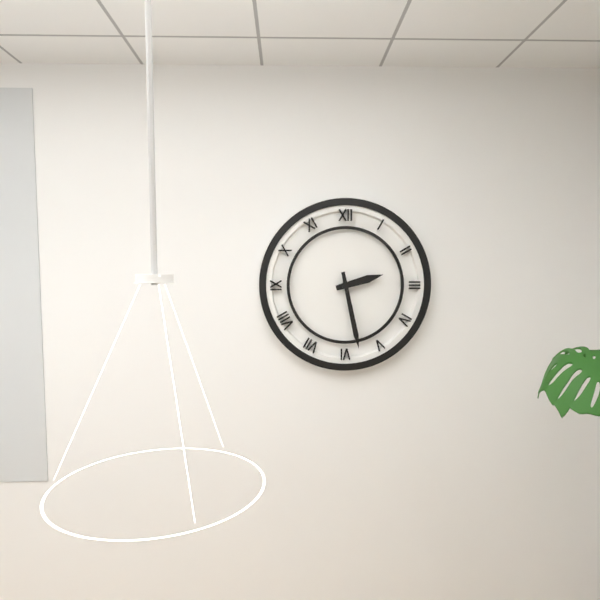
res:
2:28
